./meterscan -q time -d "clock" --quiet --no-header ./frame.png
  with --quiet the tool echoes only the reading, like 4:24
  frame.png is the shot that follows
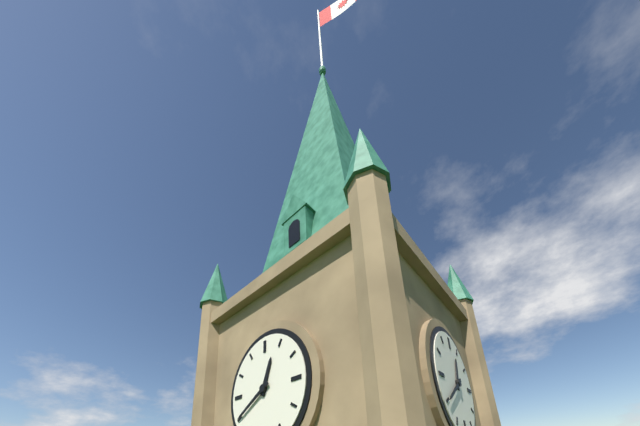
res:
12:40
